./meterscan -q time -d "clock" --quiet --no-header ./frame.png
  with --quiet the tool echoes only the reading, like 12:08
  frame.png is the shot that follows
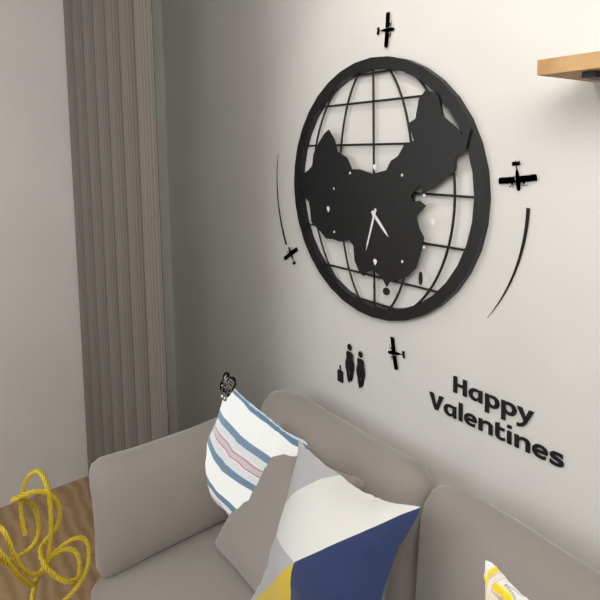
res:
4:33
